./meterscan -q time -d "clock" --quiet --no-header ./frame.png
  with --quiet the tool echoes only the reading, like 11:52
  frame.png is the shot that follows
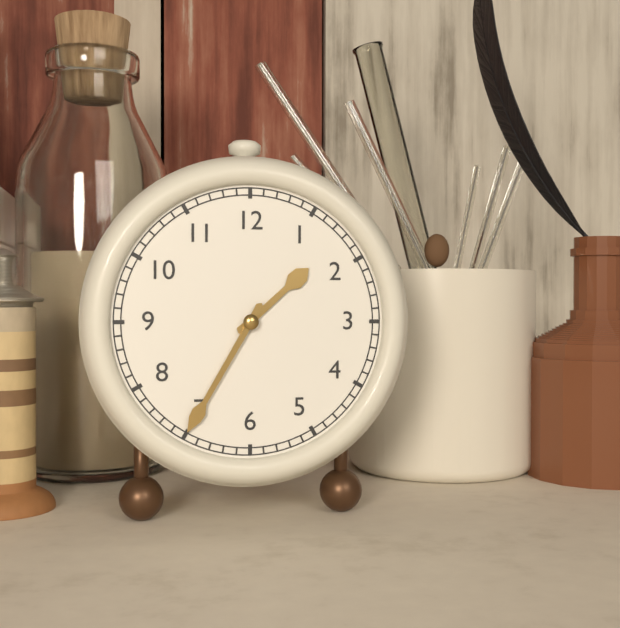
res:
1:35
